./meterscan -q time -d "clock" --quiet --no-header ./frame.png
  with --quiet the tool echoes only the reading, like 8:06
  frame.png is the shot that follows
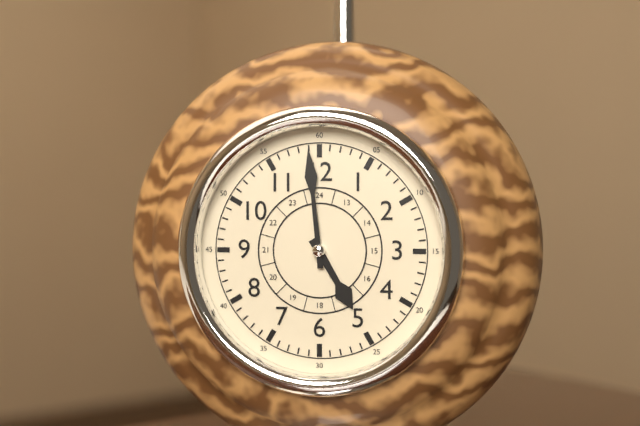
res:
4:59
